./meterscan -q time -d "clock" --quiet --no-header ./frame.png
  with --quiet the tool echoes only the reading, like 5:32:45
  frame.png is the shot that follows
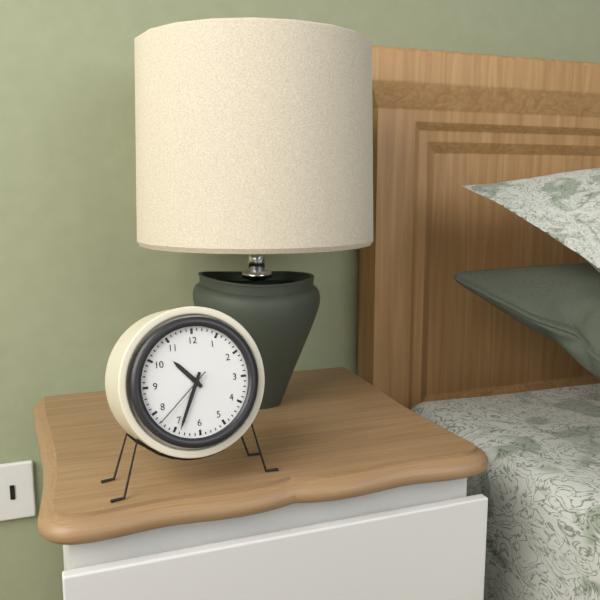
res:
10:34:38
